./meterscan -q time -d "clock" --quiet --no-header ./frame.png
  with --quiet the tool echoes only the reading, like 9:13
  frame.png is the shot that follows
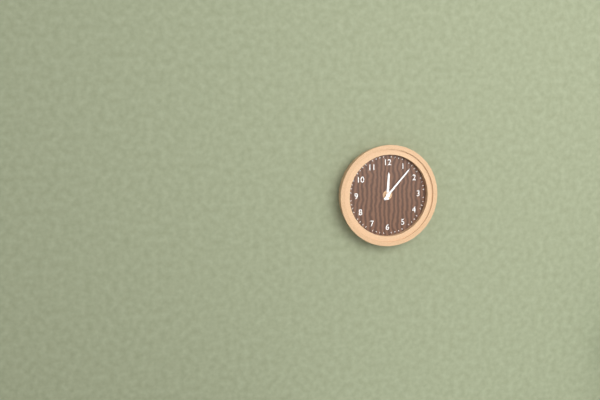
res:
12:07
